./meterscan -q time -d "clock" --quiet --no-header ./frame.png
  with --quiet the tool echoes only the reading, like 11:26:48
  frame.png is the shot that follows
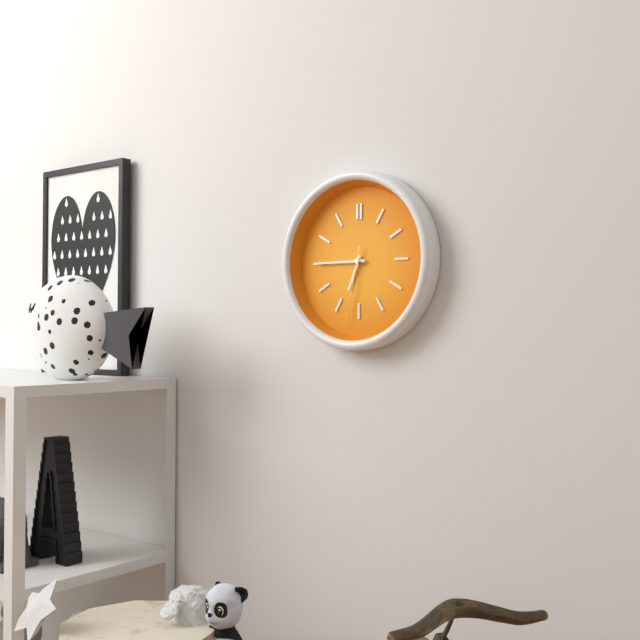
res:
6:45:32
